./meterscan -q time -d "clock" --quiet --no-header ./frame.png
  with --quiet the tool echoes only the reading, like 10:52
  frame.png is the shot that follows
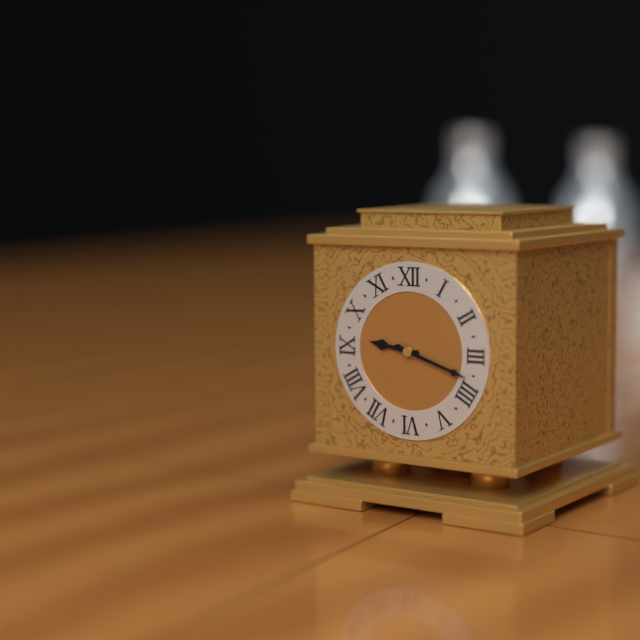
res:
9:18
